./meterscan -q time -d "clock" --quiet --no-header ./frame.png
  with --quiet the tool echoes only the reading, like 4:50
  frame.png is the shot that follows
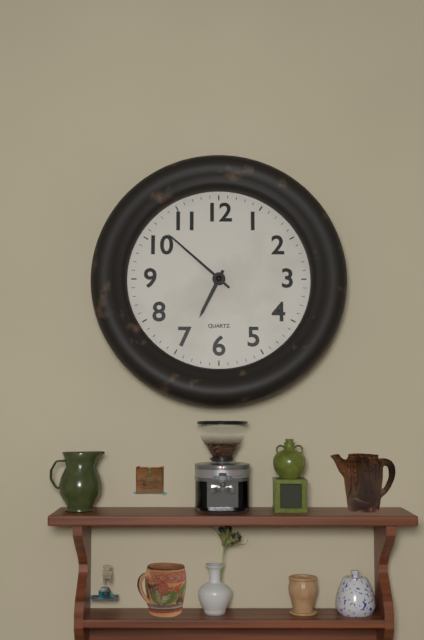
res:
6:52
